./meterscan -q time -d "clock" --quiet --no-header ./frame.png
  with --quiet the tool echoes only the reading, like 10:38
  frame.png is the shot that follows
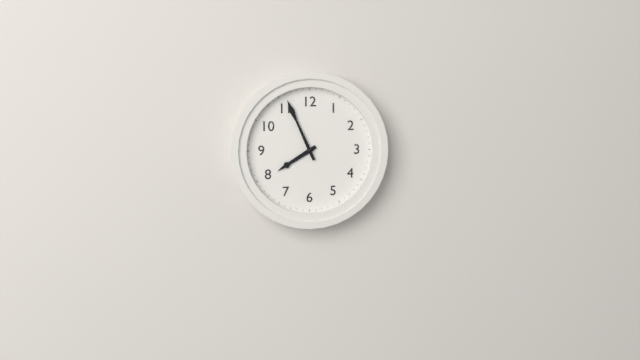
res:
7:56
